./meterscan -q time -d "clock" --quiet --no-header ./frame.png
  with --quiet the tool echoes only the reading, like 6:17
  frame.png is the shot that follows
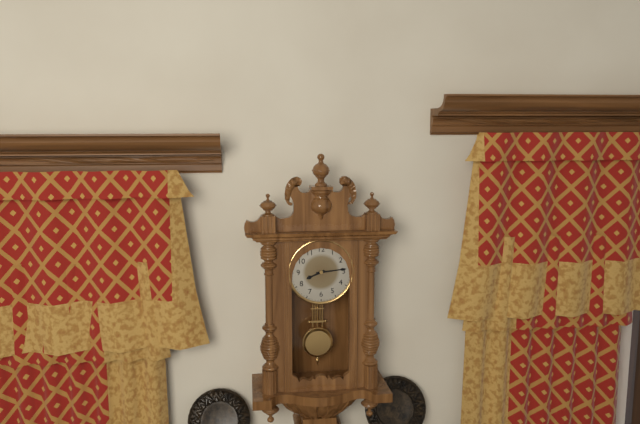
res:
8:14
